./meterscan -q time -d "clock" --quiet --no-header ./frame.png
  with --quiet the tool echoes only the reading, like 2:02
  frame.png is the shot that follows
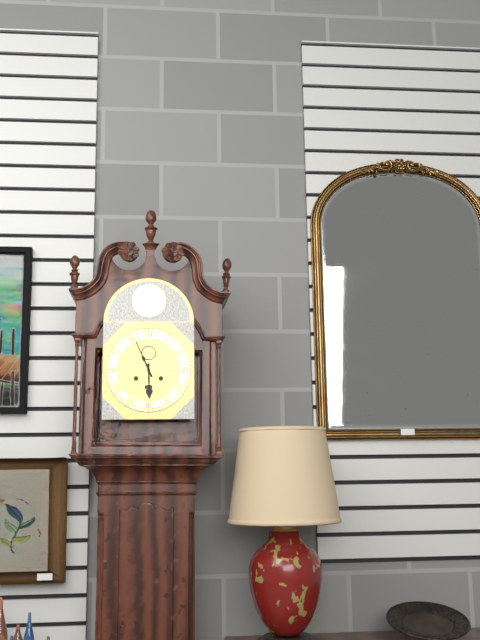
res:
5:56
